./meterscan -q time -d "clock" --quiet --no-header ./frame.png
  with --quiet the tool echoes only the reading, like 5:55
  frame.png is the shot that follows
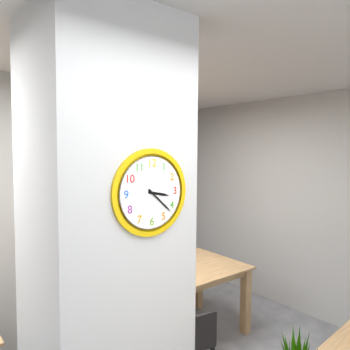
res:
3:22
